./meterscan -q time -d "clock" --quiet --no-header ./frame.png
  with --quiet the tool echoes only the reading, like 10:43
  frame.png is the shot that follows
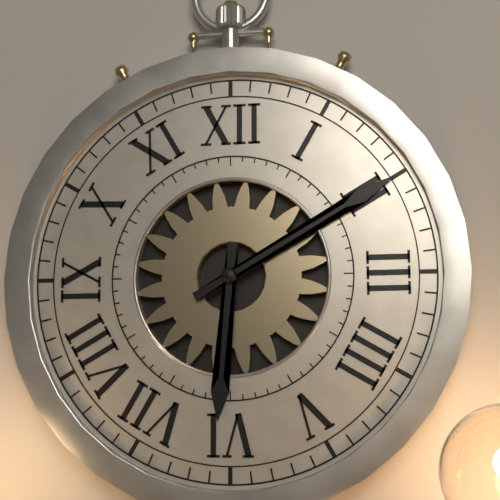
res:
6:10
